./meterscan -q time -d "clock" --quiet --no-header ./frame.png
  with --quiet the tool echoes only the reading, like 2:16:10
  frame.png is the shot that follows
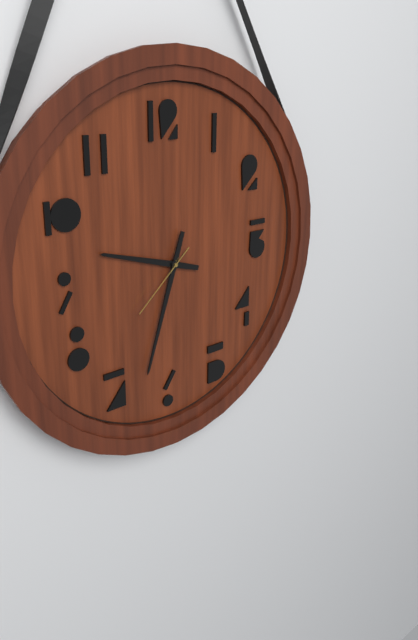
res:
9:33:38
